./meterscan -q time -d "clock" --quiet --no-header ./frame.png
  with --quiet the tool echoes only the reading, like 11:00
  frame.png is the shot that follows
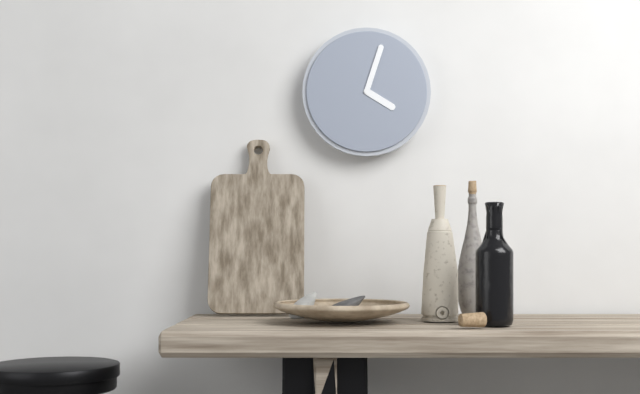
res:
4:03
